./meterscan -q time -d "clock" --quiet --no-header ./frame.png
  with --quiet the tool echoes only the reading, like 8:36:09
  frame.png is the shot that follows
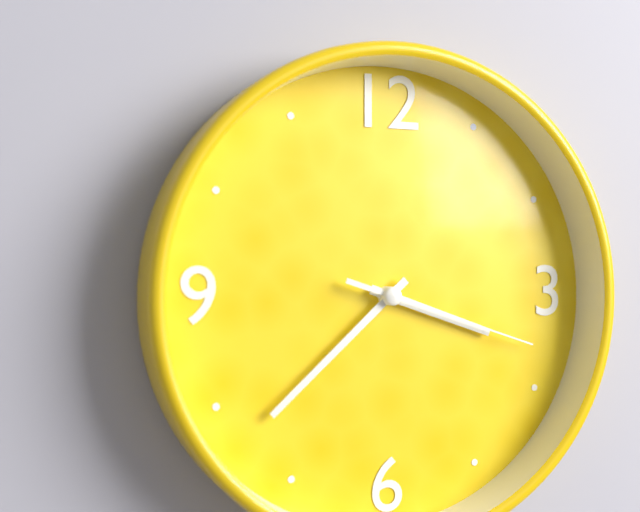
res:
3:38:18
